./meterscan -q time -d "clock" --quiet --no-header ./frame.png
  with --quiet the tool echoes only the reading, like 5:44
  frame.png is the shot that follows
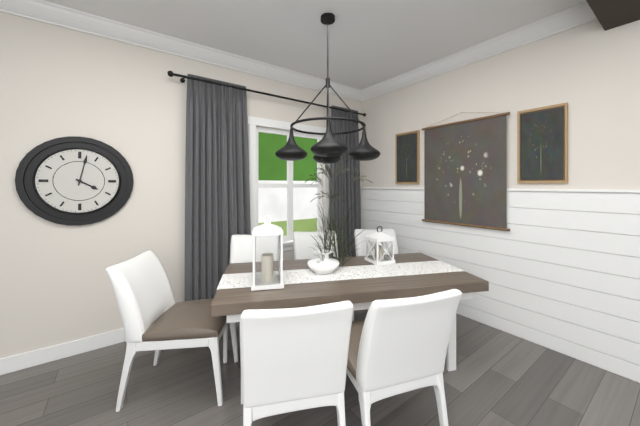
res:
4:02
